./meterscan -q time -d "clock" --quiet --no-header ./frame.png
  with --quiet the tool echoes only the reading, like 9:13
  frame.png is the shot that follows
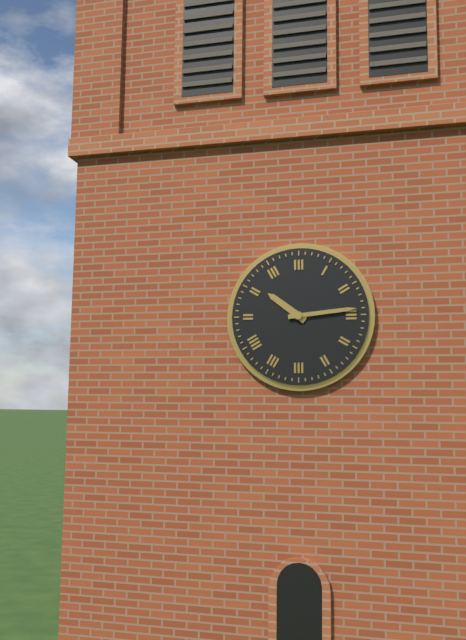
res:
10:14
